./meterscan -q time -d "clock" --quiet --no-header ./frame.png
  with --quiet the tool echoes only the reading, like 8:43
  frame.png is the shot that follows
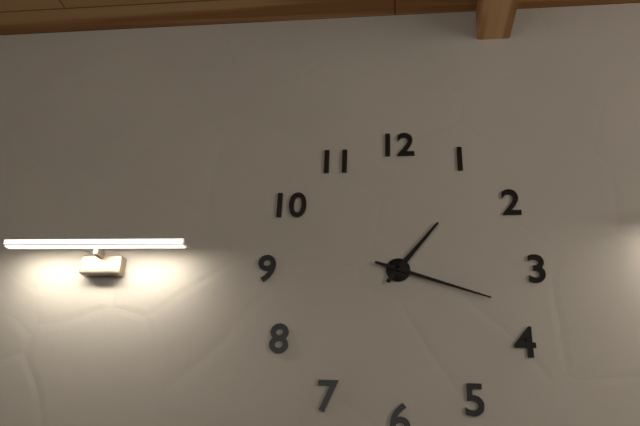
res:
1:18
